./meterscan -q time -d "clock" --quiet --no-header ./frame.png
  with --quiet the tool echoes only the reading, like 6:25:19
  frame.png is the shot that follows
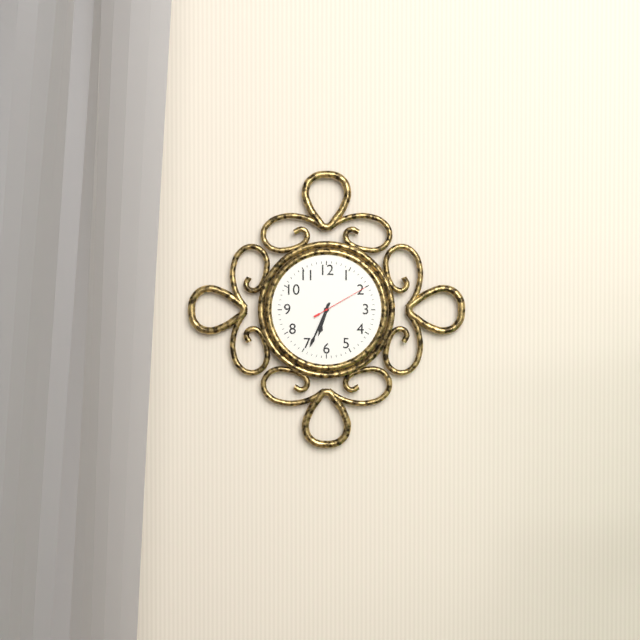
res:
6:34:10
